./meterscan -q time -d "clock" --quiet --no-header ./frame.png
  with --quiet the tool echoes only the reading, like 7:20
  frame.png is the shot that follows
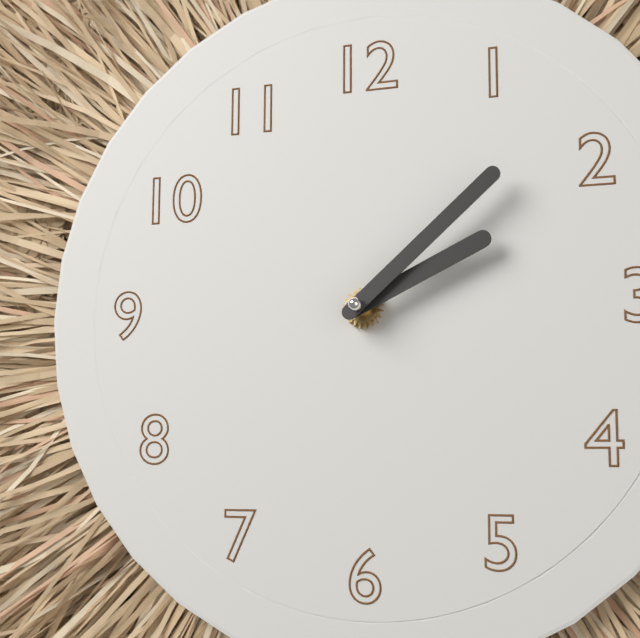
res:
2:08
